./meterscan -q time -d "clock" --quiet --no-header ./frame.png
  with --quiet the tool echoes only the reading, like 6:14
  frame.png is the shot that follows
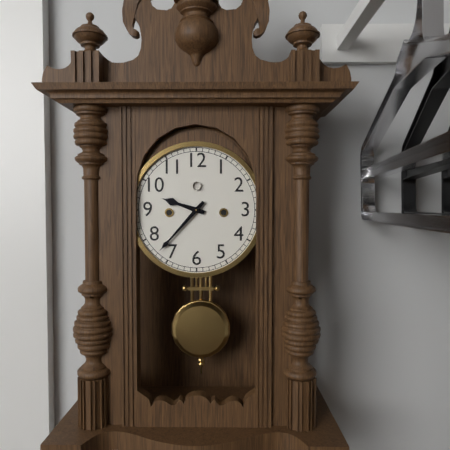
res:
9:37
